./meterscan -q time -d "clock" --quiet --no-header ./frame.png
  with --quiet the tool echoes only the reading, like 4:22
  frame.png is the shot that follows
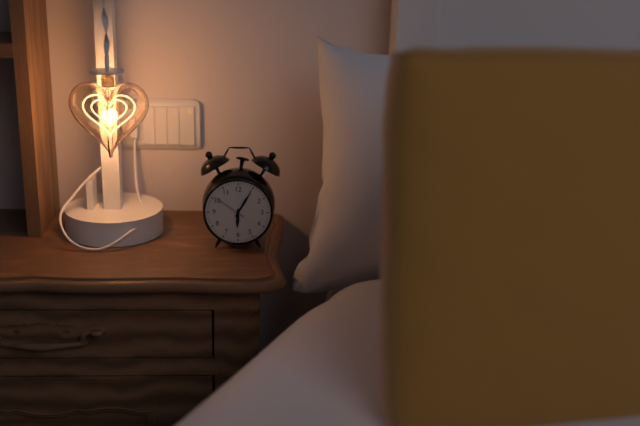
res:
6:05
